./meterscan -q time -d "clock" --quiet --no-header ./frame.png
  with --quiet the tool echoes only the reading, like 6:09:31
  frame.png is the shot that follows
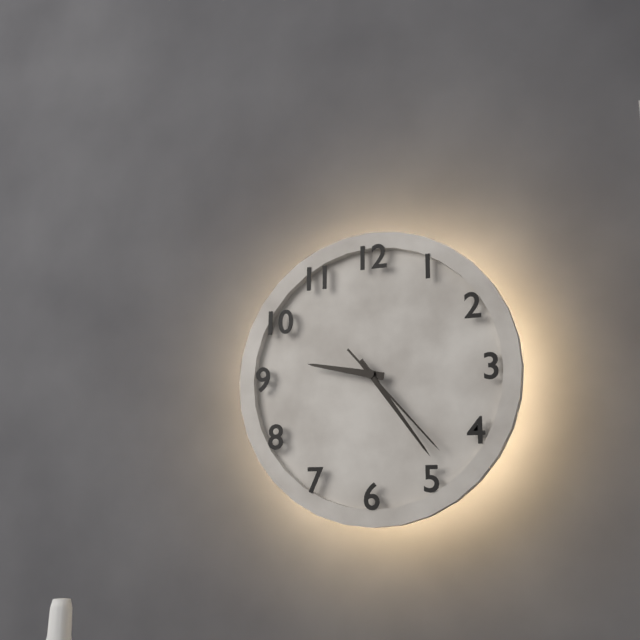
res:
9:24:23
